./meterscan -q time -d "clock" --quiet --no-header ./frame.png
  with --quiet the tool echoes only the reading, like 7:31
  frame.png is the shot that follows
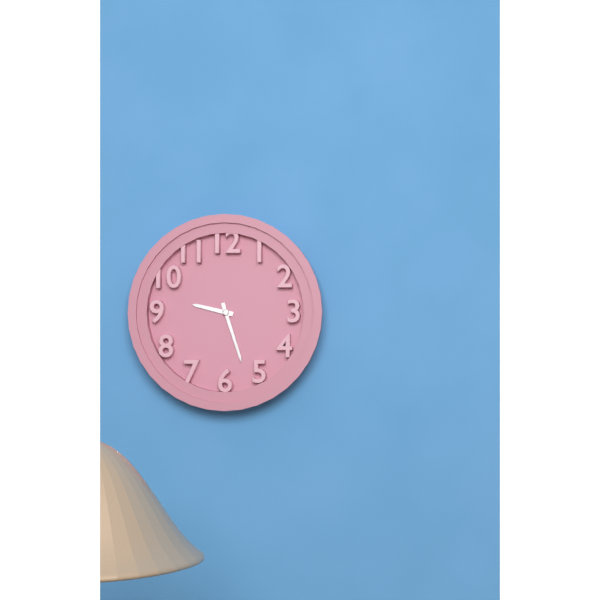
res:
9:27
